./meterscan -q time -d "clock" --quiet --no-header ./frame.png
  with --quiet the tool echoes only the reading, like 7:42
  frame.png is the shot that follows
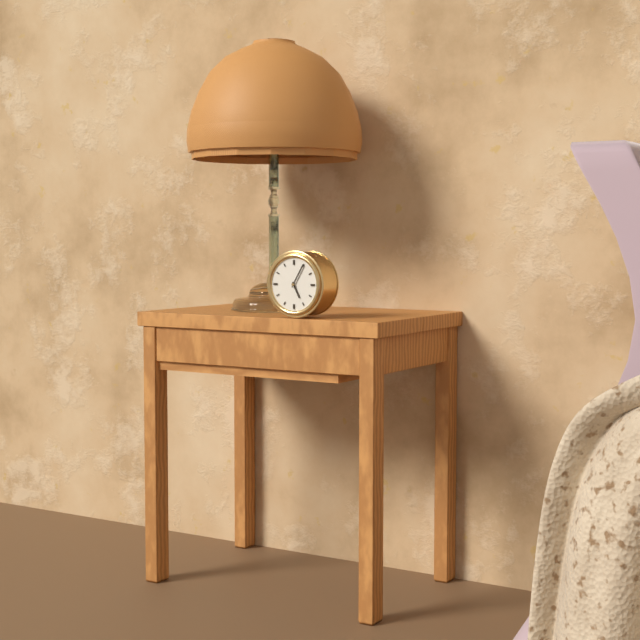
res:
5:05
